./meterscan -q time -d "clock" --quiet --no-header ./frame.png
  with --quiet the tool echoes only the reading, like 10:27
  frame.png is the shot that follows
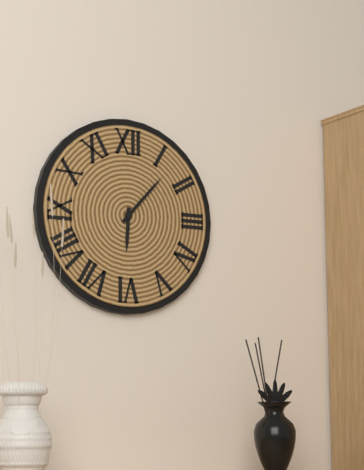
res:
6:07
